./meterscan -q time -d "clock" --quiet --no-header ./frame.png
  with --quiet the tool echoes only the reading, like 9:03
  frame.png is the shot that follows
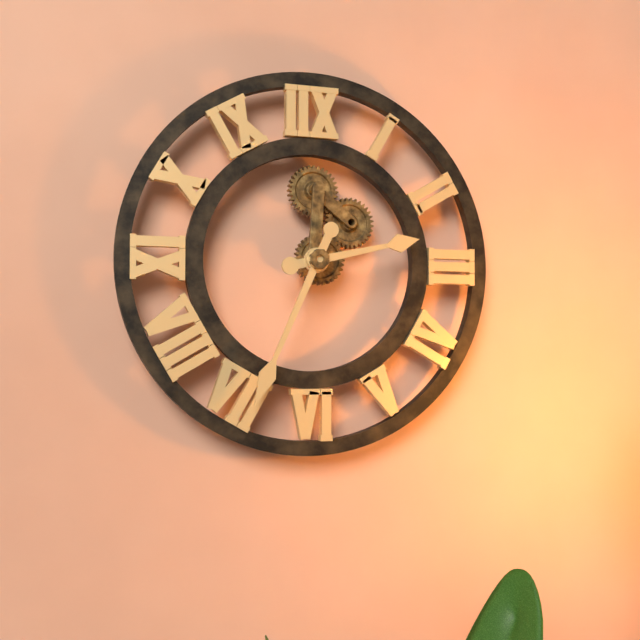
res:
2:34
